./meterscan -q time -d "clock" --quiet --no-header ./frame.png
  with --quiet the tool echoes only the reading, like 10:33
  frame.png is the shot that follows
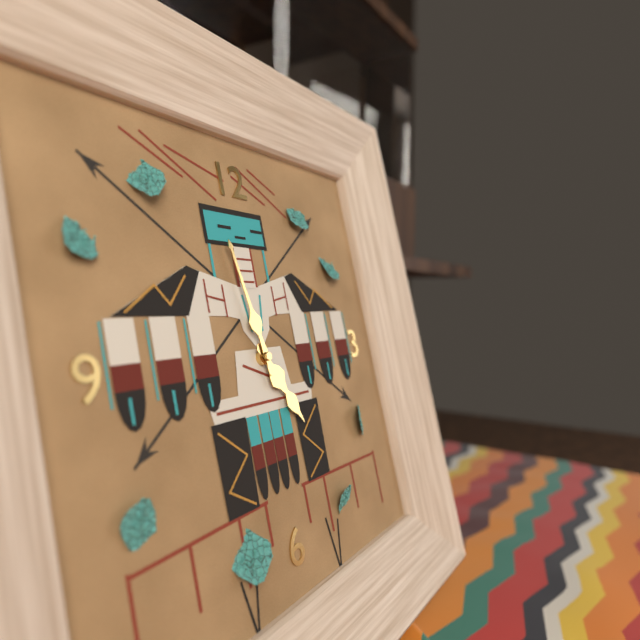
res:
4:58
